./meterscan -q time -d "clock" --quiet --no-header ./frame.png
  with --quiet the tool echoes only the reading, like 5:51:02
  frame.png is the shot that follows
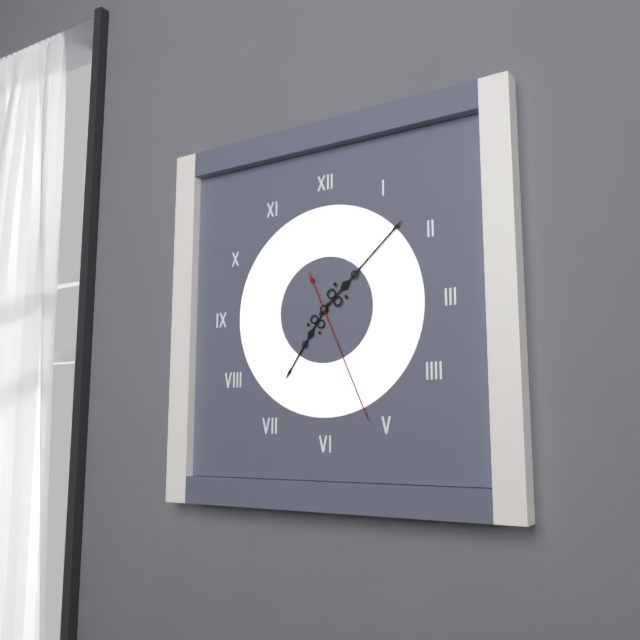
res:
7:08:26
